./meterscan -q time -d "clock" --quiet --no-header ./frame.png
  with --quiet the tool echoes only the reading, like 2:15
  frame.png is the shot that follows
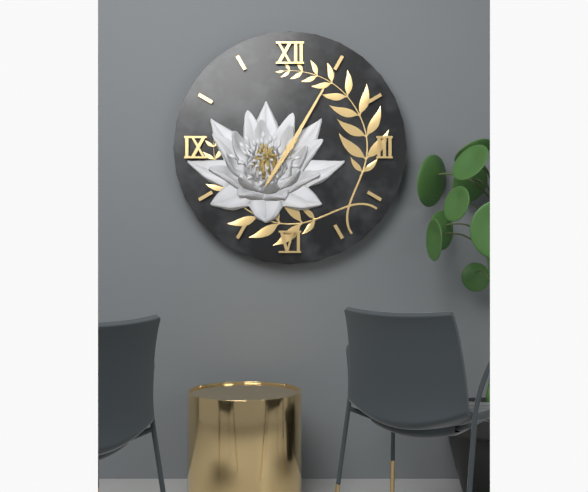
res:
7:05
